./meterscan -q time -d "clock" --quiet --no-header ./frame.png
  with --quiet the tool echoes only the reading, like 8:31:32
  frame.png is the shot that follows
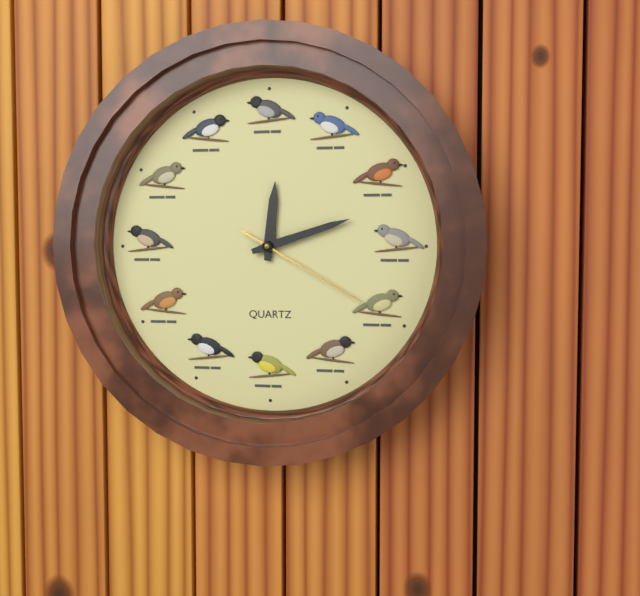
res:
12:12:20
